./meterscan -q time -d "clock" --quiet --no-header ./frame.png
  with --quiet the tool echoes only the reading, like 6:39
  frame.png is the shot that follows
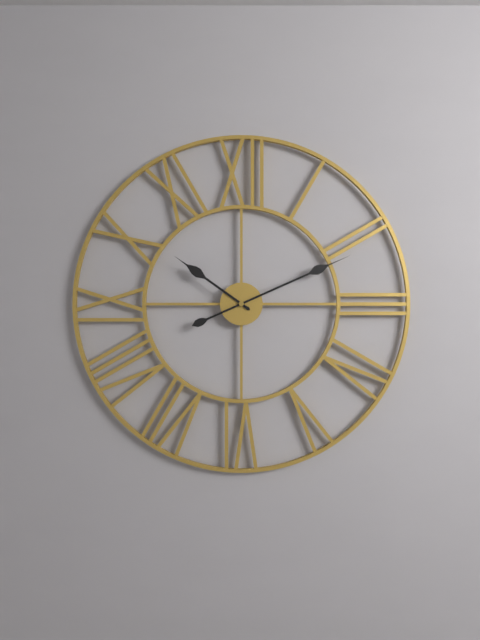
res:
10:11
